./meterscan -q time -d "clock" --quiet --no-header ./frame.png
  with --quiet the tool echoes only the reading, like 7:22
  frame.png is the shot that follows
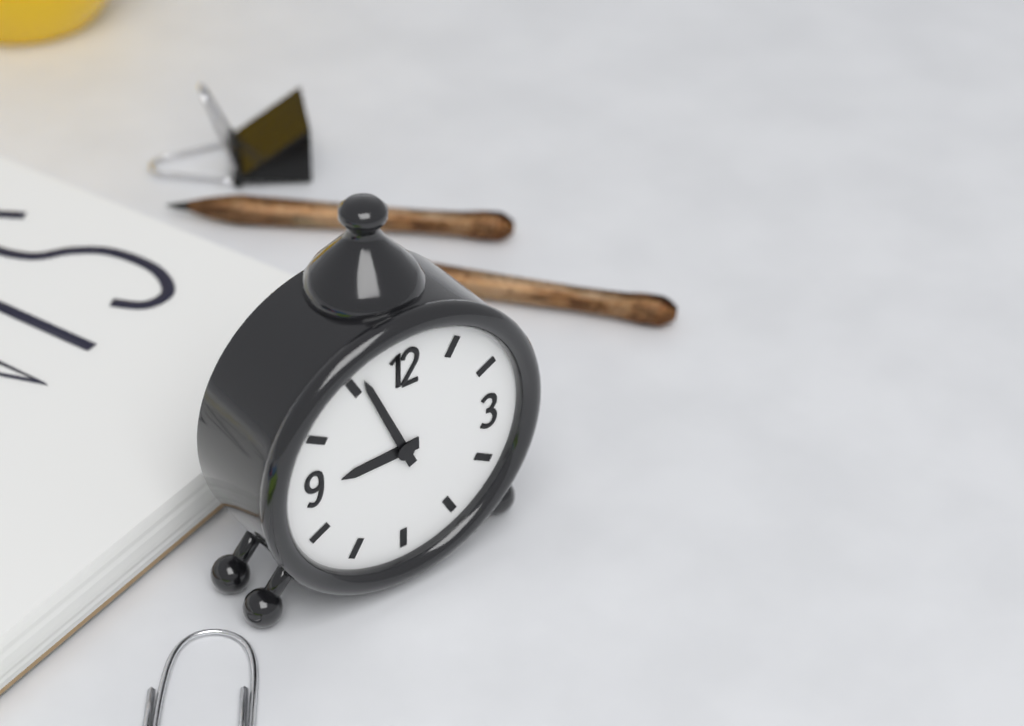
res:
8:56
